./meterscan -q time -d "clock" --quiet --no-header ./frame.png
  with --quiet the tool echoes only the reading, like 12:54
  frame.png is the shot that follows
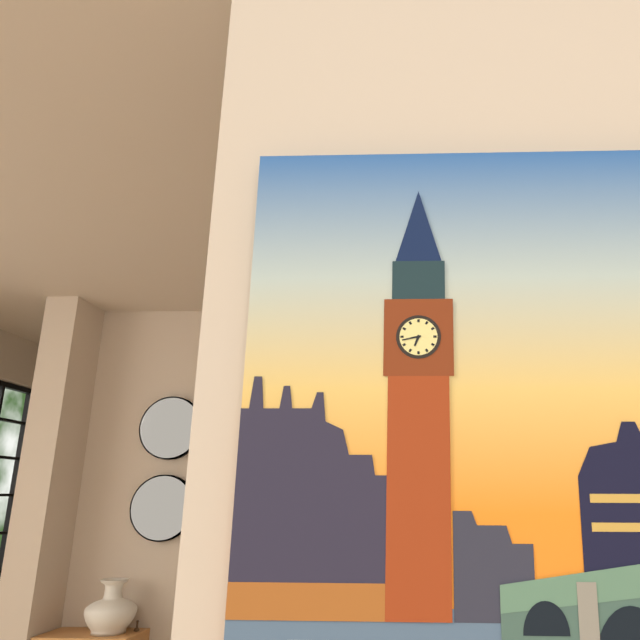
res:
6:43
